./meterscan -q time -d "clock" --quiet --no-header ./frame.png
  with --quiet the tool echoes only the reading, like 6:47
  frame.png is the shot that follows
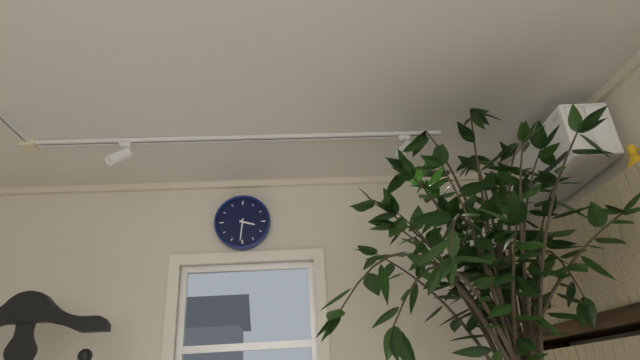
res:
3:31
